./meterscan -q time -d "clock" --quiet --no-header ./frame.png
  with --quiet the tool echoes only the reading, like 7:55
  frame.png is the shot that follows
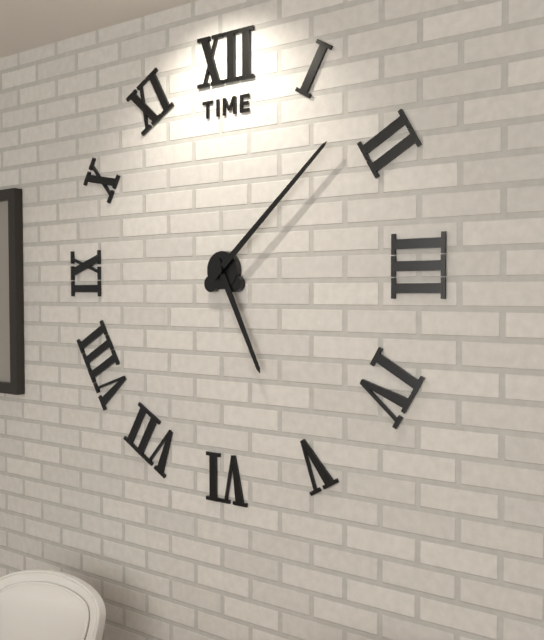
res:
5:08
